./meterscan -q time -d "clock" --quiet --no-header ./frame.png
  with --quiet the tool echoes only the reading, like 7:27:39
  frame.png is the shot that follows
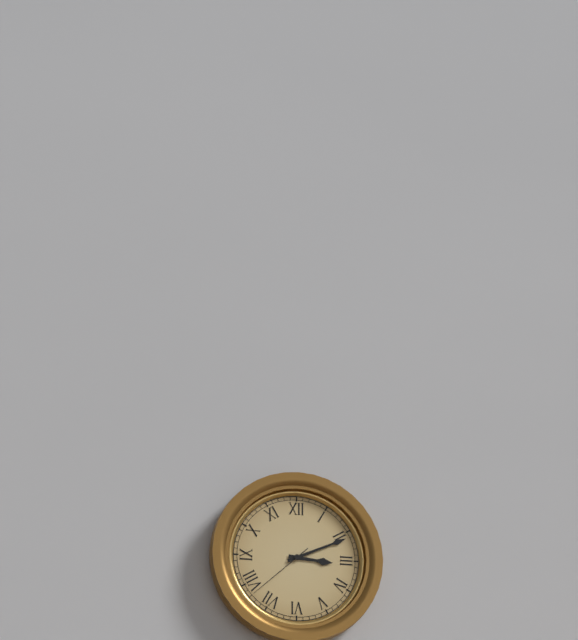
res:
3:11:38
